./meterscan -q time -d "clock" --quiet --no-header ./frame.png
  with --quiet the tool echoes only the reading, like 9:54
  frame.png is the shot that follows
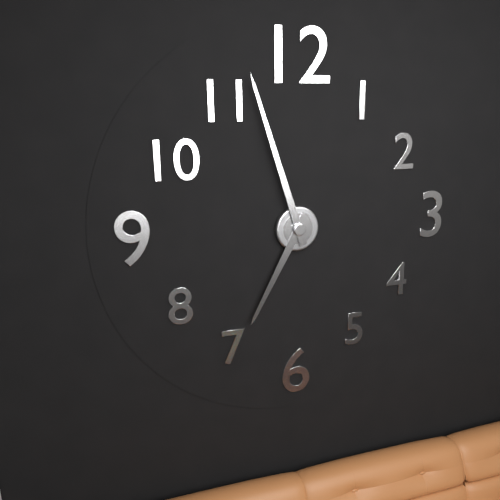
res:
6:57
